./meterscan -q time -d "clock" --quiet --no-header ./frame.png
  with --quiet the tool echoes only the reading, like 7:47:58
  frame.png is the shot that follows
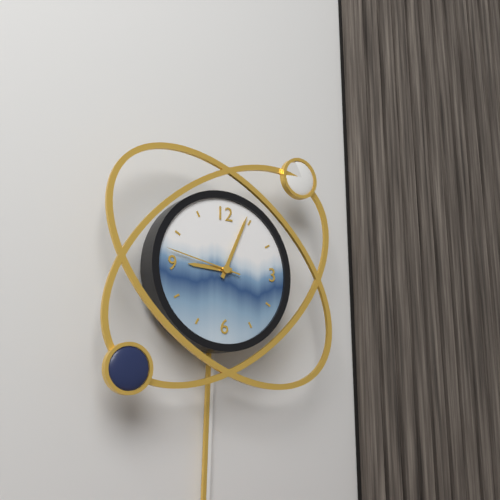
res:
9:04:47
